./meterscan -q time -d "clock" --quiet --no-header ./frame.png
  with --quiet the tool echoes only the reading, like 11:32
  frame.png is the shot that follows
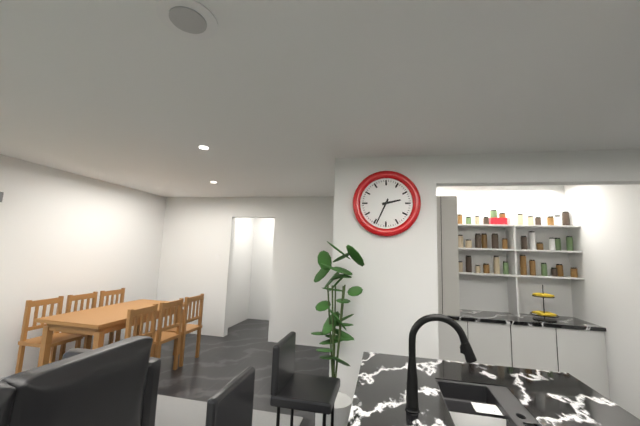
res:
2:34
